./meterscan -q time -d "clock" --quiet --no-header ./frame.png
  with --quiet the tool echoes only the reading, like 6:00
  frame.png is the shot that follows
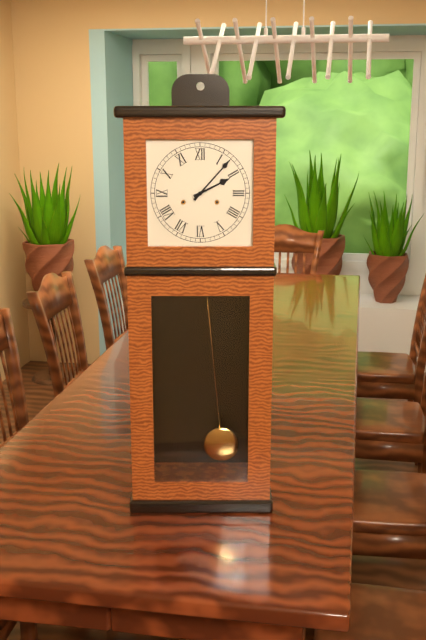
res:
2:07
